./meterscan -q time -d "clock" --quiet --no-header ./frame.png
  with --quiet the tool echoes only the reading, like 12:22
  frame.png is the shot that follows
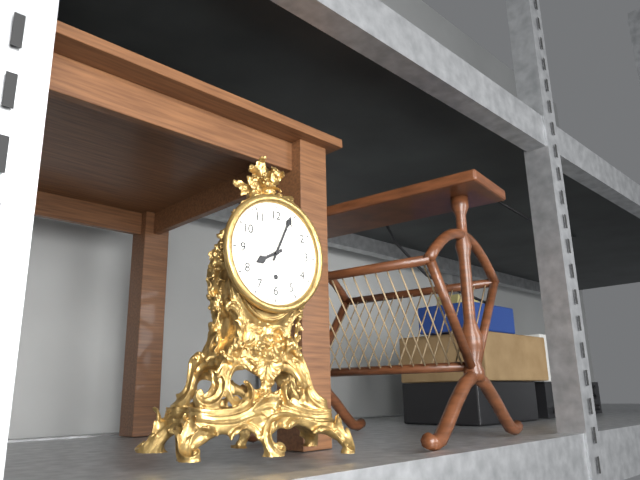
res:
8:04
